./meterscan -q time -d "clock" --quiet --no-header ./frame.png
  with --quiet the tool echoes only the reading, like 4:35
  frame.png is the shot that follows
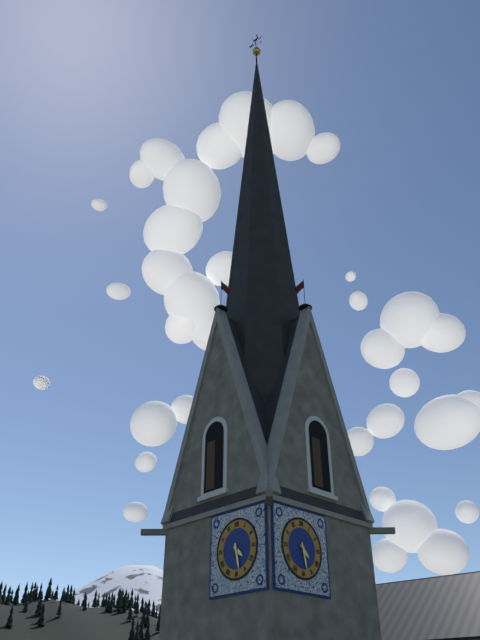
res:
4:28
